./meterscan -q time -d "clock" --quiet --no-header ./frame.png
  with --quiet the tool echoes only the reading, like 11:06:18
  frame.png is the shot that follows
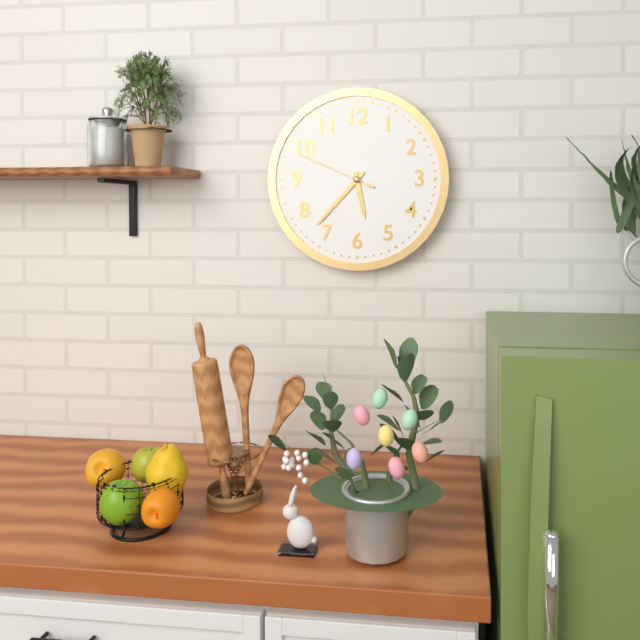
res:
5:37:49
